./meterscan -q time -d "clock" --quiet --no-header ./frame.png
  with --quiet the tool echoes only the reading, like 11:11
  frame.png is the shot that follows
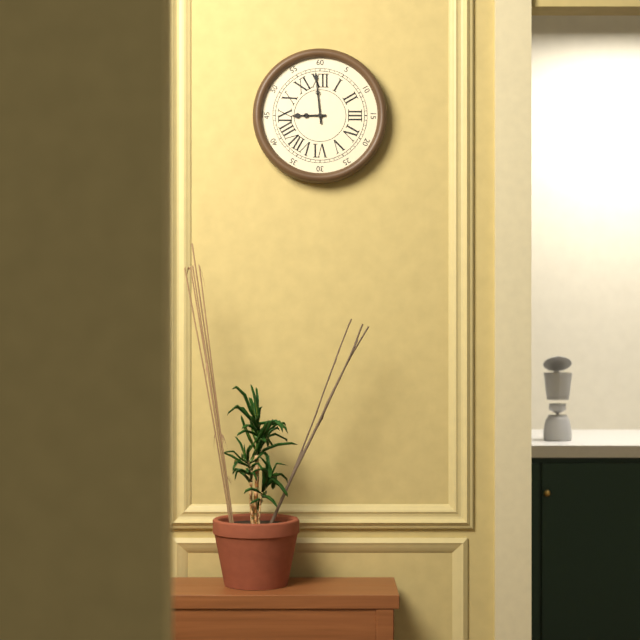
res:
8:59
